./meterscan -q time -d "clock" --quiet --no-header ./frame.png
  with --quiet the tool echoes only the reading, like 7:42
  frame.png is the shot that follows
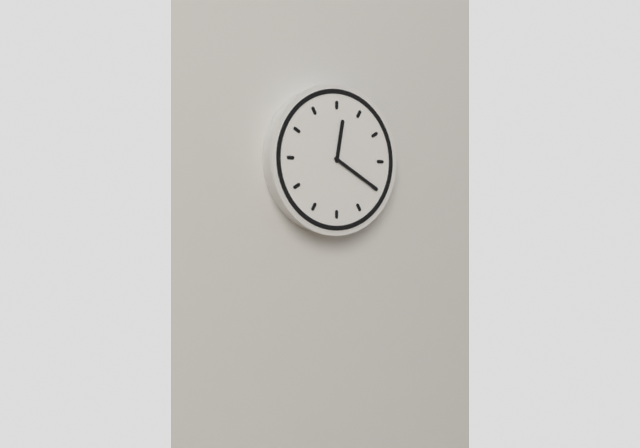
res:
12:20
